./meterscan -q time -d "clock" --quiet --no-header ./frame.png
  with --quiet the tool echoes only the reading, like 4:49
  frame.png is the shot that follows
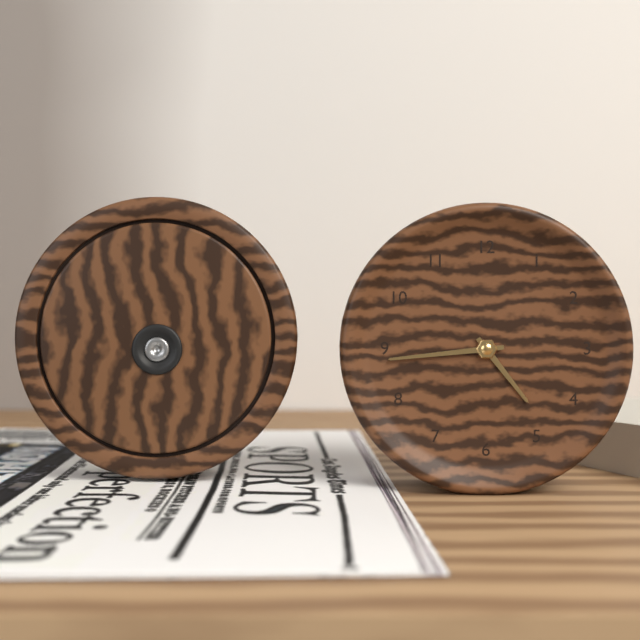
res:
4:44
